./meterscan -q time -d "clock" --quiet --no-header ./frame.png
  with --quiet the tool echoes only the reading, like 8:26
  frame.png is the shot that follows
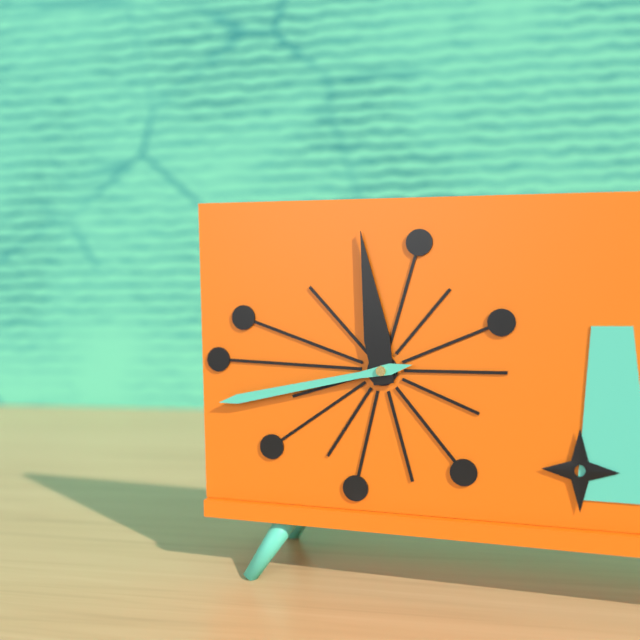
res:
11:43
